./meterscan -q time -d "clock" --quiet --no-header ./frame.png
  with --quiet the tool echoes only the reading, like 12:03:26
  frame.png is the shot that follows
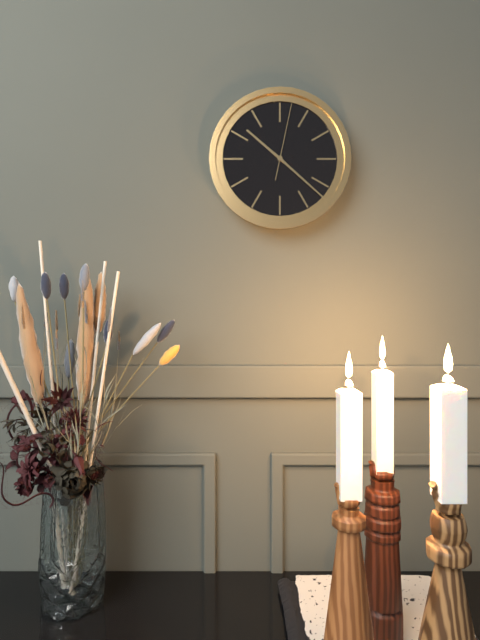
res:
10:22:02
